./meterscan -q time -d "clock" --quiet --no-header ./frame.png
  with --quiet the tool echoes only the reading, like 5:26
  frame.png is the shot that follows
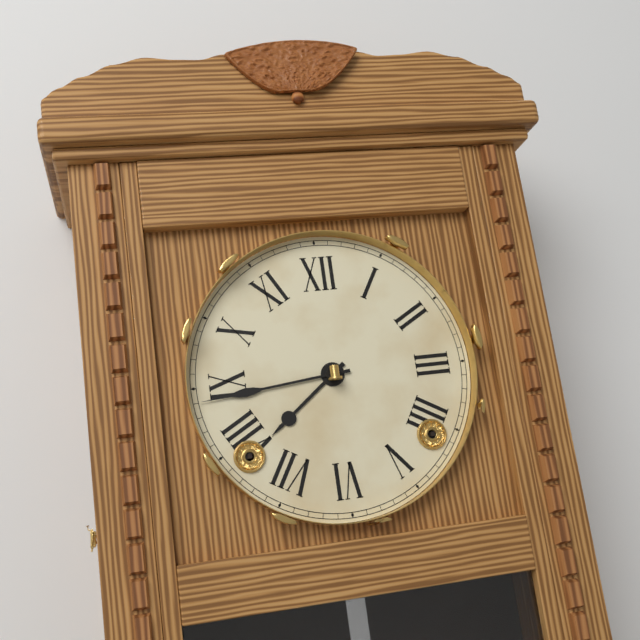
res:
7:44
